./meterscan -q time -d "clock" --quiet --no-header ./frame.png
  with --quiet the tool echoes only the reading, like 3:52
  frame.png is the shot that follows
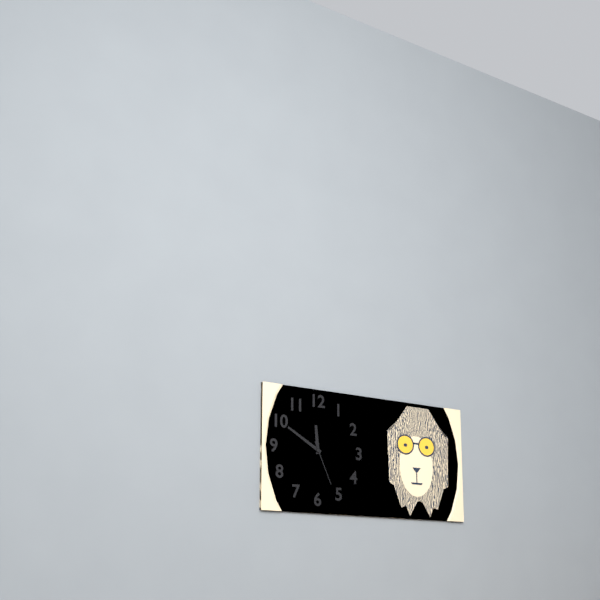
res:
11:50
